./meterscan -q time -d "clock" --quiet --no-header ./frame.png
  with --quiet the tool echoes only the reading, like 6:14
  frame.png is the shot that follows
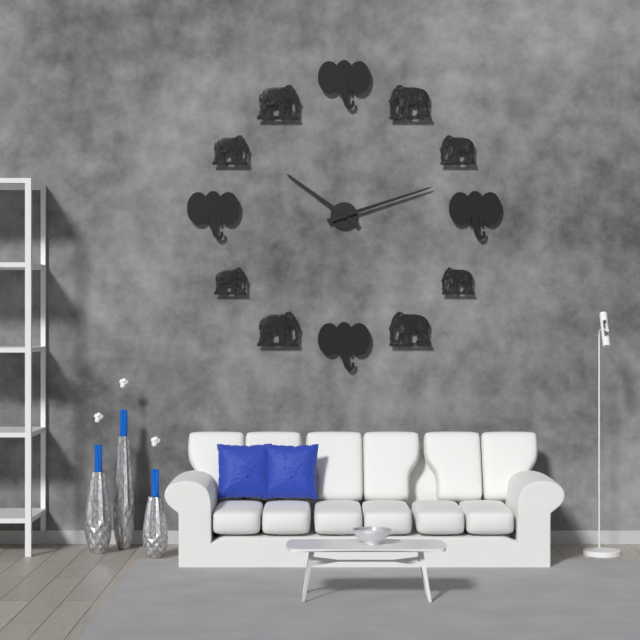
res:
10:12
